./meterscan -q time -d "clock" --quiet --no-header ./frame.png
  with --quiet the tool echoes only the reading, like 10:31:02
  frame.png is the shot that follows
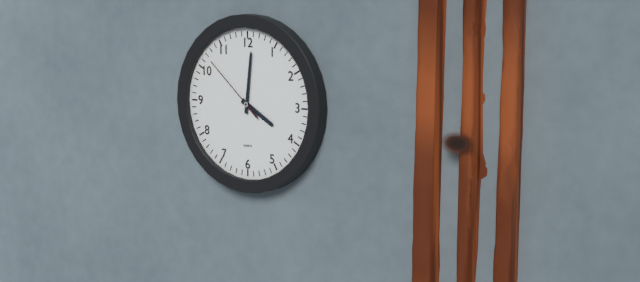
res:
4:01:52
